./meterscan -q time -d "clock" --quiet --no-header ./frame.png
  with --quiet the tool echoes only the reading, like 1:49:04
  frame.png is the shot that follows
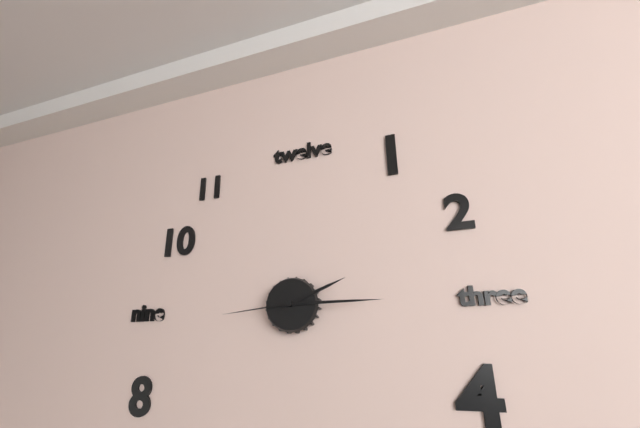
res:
2:15:44
